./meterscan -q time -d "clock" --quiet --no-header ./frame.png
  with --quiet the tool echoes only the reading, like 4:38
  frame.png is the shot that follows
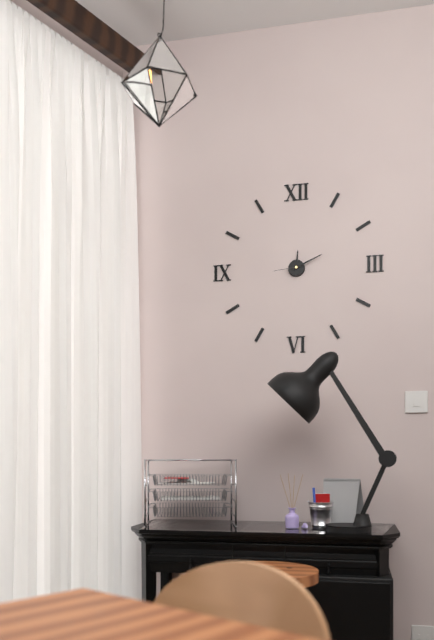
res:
12:11
